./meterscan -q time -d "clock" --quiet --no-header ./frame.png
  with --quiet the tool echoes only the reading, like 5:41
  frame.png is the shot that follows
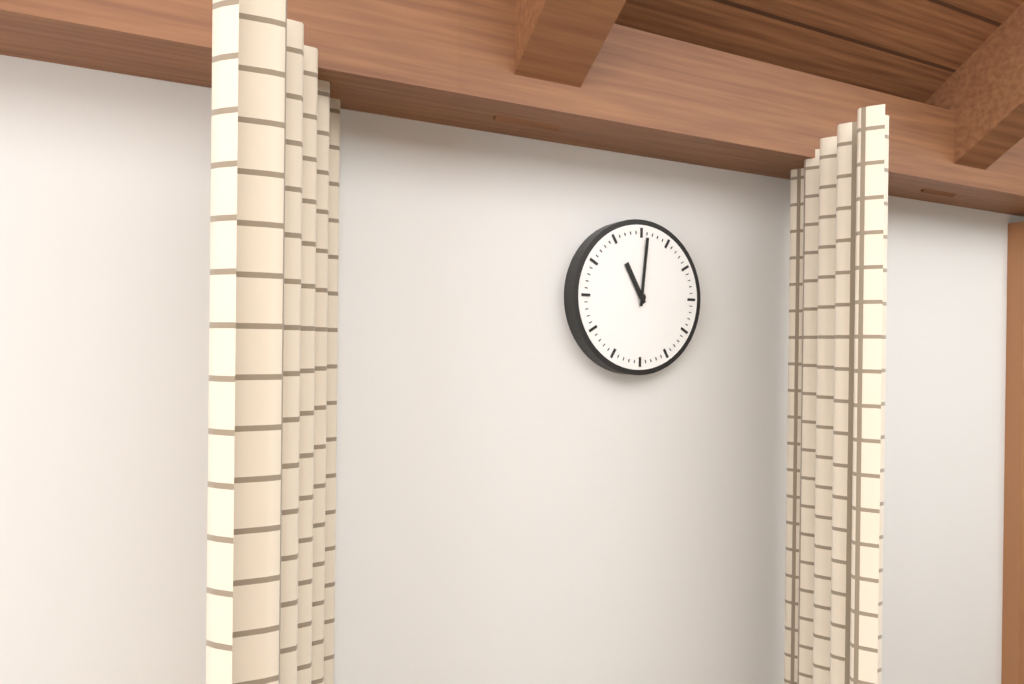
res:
11:01
